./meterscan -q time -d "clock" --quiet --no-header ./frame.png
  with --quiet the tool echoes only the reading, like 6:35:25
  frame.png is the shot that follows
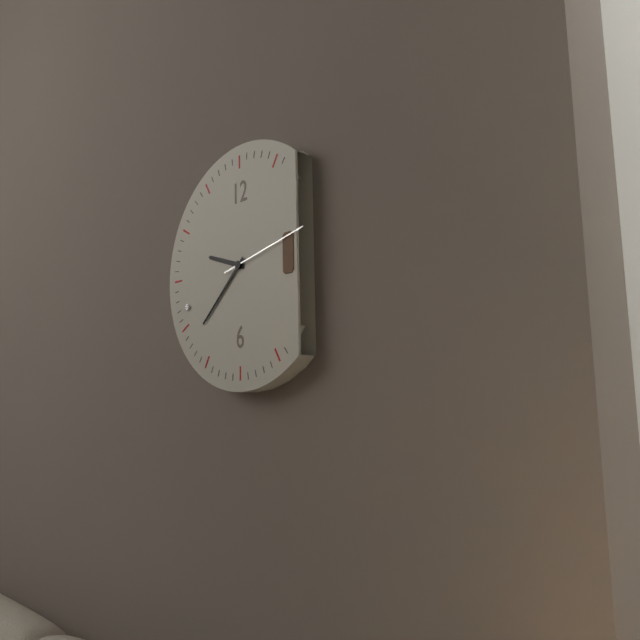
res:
9:38:13
